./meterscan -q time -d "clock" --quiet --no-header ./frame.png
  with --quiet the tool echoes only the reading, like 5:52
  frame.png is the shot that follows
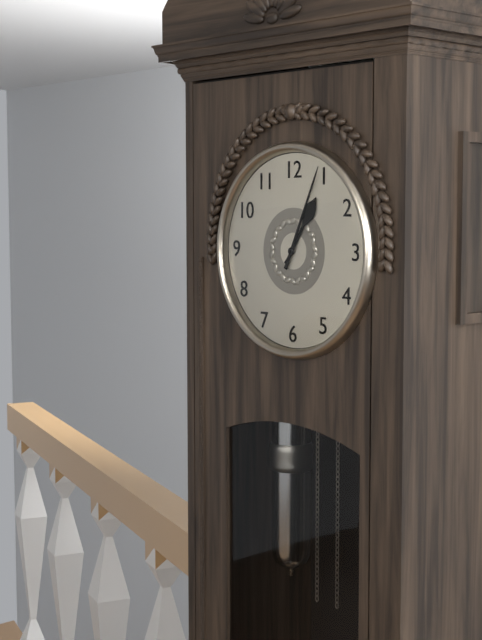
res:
1:04
